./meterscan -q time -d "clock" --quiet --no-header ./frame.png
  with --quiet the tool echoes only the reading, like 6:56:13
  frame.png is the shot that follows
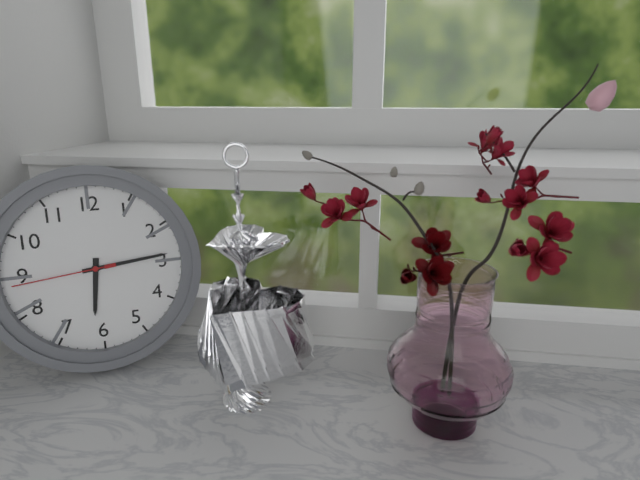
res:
6:14:44
